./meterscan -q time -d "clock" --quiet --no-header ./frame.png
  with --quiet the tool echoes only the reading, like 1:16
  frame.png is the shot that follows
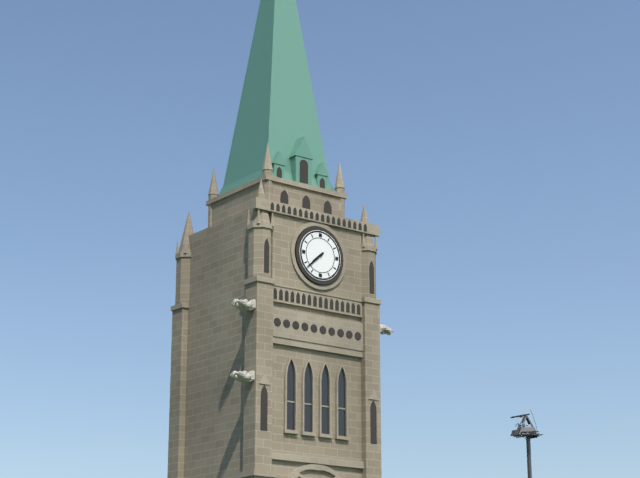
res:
7:38
